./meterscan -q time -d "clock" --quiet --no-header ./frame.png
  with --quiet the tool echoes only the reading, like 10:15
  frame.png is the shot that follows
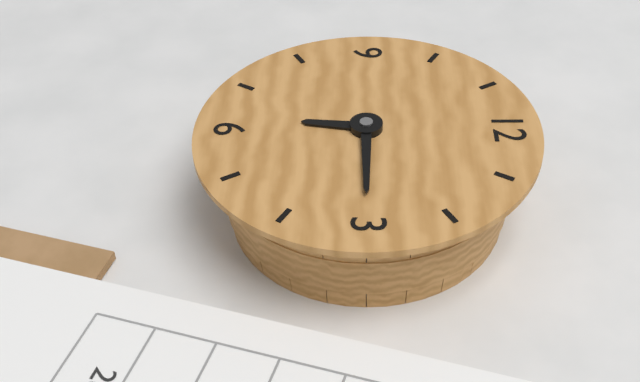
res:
6:15
